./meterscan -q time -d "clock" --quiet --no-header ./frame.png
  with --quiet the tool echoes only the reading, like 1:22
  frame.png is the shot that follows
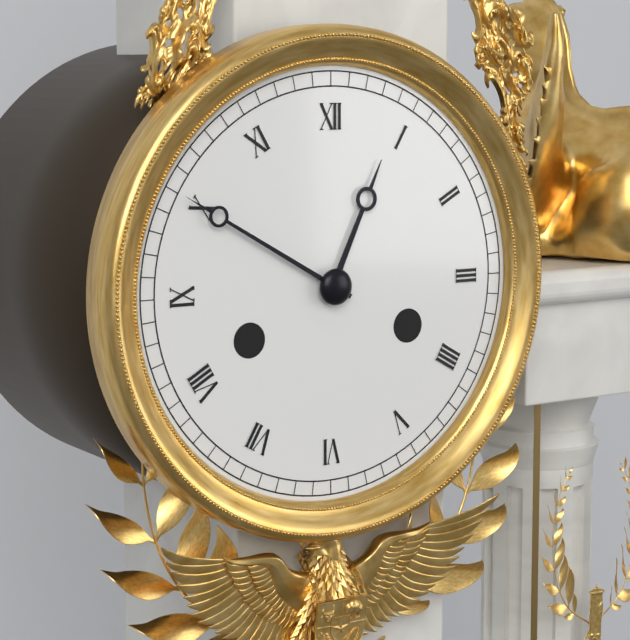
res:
12:50
